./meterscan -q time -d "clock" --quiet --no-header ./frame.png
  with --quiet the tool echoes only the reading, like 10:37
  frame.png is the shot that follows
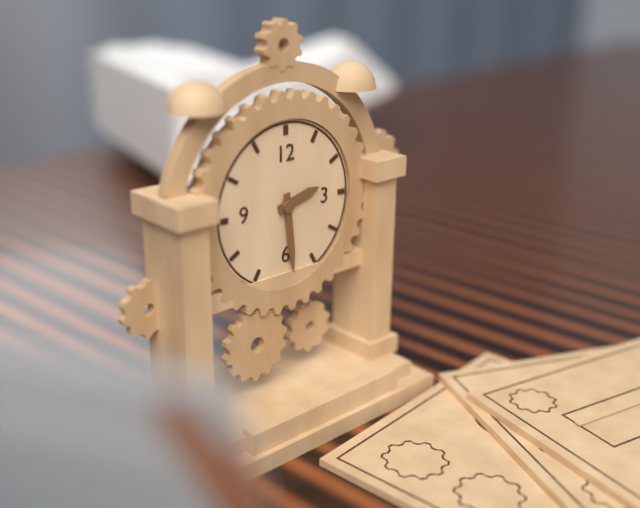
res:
2:29
